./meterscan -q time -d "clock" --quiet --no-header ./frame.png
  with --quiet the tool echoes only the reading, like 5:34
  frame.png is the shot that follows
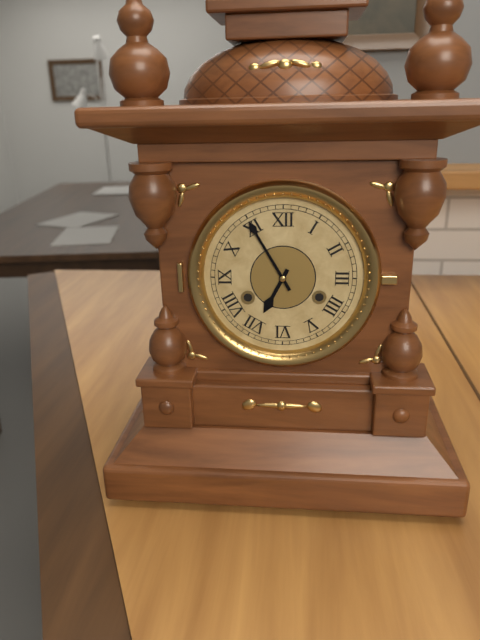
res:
6:55
